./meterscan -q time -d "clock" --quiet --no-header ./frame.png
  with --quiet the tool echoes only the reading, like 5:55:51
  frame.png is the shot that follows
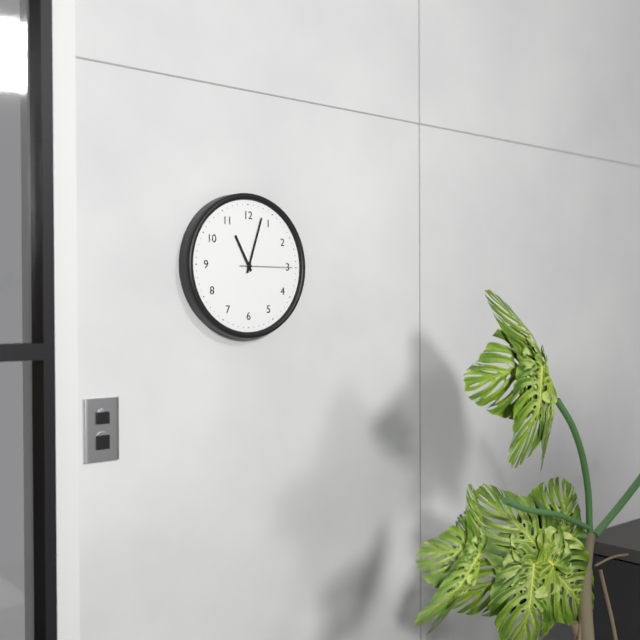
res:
11:03:15
